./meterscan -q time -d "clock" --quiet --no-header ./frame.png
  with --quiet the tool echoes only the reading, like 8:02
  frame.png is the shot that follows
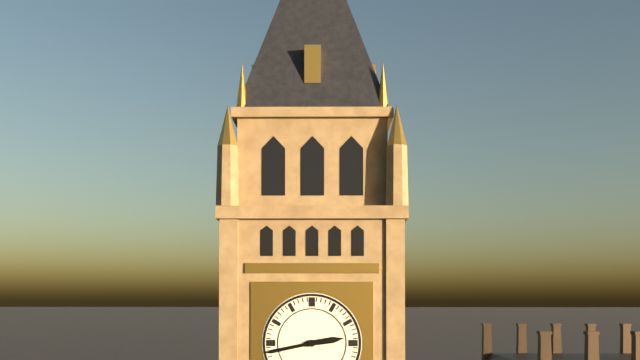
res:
2:43
